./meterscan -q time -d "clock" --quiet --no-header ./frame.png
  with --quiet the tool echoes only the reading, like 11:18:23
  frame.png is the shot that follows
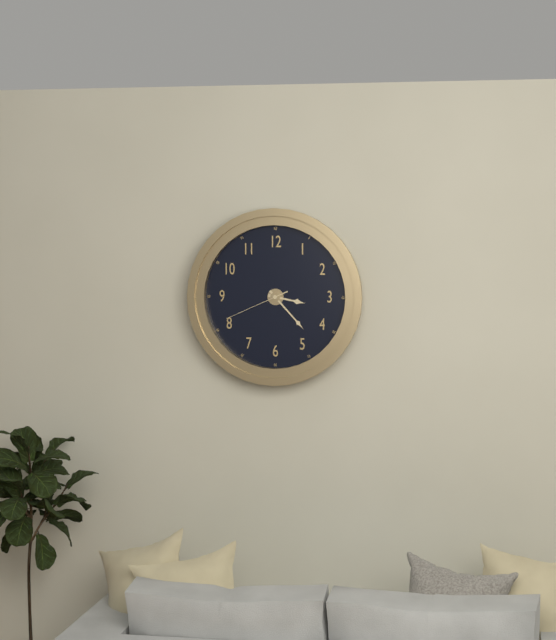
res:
3:23:41
